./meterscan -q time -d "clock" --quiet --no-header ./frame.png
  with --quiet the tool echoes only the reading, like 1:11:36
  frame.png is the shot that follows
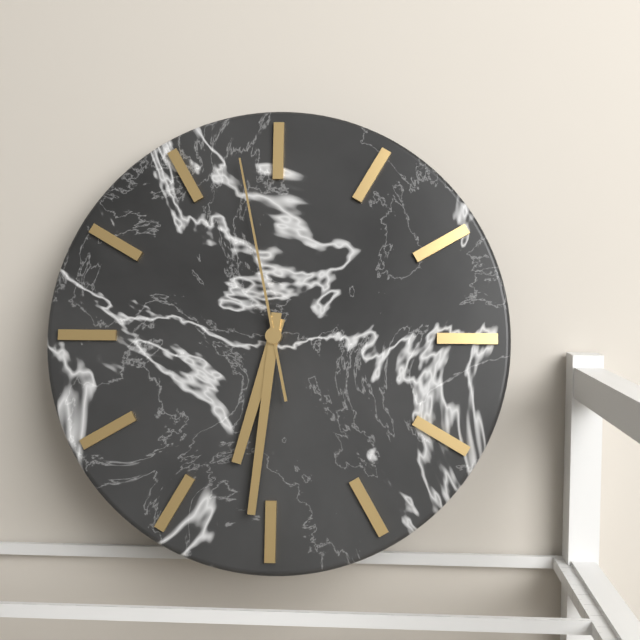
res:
6:31:58
